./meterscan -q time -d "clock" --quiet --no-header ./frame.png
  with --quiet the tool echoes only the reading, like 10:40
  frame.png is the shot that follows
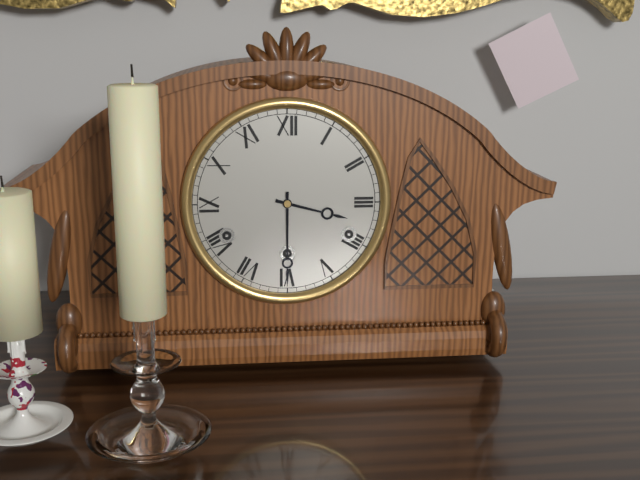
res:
3:30
